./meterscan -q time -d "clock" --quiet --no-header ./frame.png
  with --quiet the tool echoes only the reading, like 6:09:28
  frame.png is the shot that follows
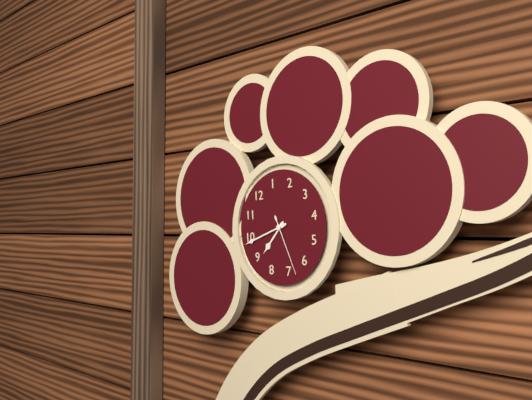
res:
8:49:33
